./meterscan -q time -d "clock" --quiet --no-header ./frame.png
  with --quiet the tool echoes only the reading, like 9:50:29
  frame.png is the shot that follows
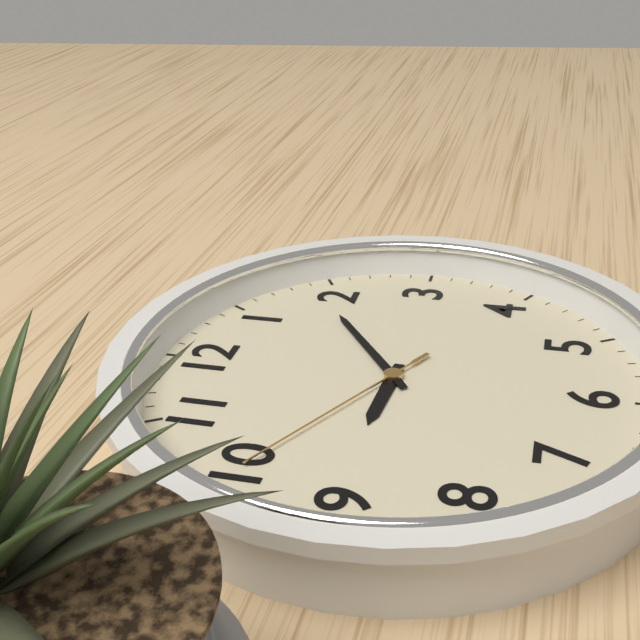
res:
9:09:50
